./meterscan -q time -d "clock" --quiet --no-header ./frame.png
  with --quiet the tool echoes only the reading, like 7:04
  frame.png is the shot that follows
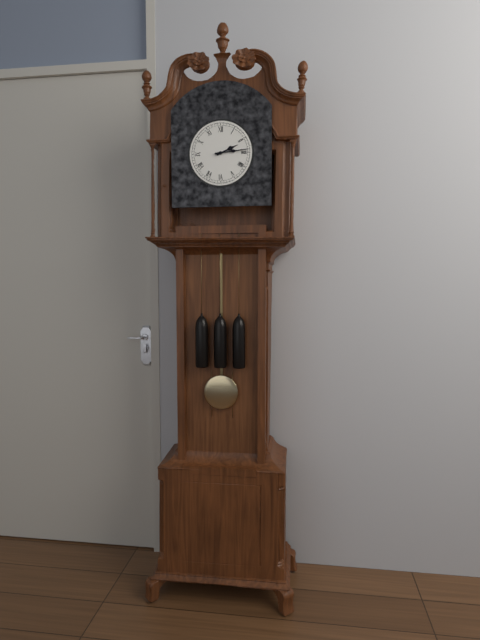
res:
2:14
